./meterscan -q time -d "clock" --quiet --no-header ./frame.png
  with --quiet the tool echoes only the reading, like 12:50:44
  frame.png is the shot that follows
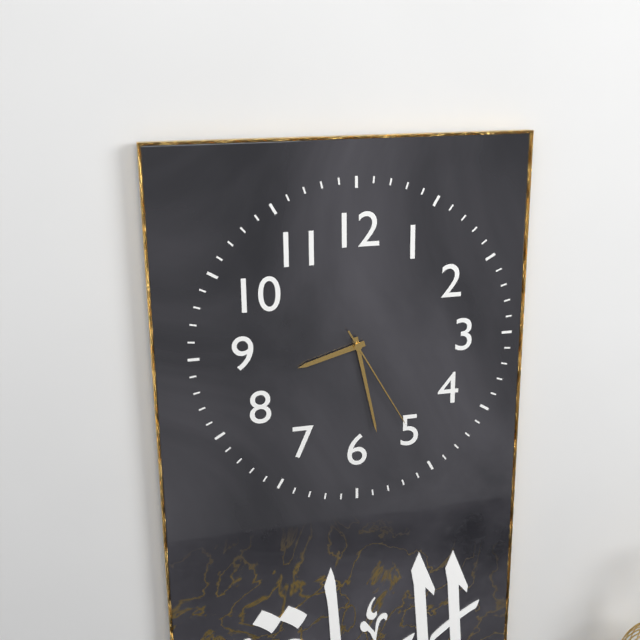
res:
8:28:25
